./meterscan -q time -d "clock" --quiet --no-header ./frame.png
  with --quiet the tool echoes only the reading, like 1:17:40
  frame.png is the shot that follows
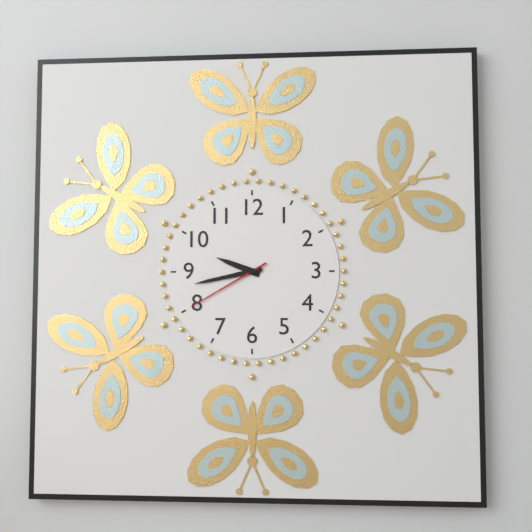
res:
9:43:40
